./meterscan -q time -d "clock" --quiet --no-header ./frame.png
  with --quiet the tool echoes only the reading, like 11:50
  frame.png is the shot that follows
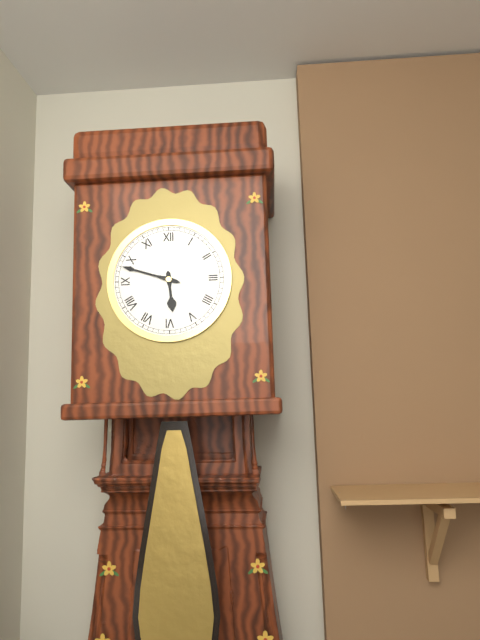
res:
5:48
